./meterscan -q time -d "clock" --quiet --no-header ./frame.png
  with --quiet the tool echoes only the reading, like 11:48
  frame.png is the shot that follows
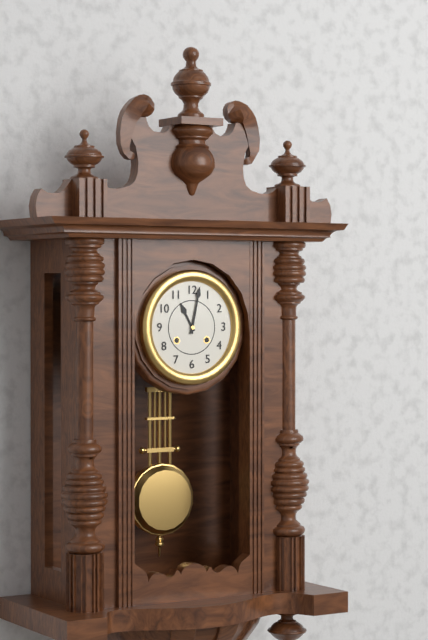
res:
11:02
